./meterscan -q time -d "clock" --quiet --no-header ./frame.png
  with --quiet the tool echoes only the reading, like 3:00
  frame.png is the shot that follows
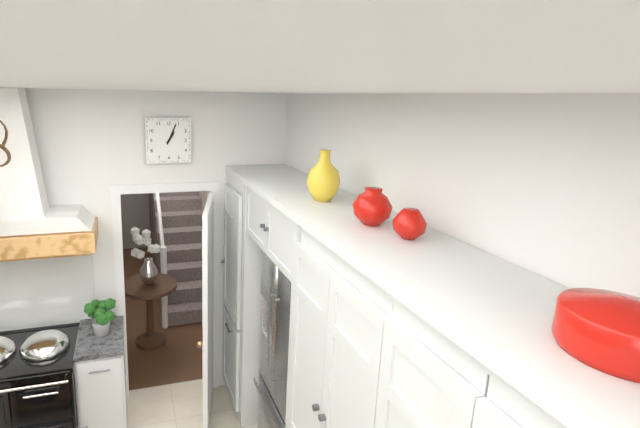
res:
1:04
